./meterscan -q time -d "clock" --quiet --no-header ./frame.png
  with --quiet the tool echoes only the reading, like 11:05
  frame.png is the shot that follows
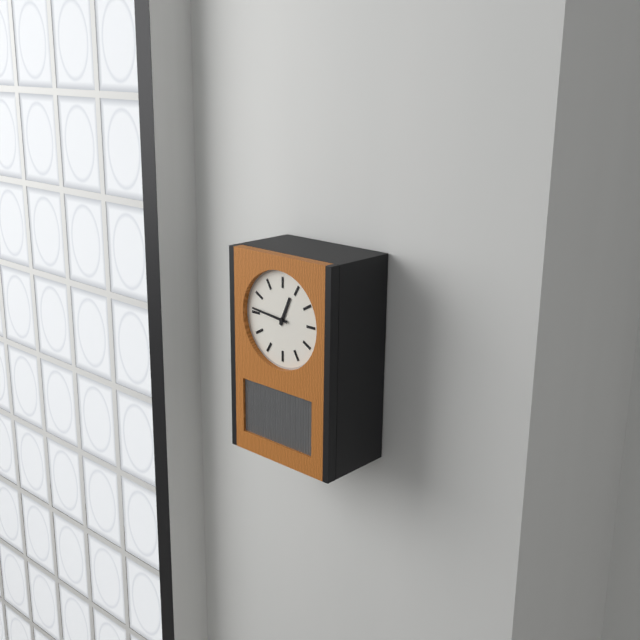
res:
12:46
